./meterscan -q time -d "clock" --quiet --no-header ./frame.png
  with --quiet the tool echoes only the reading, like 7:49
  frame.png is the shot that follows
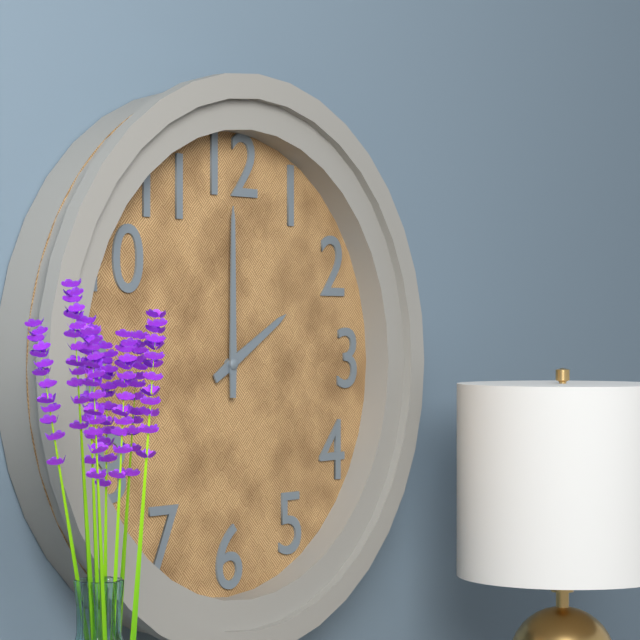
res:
2:00
